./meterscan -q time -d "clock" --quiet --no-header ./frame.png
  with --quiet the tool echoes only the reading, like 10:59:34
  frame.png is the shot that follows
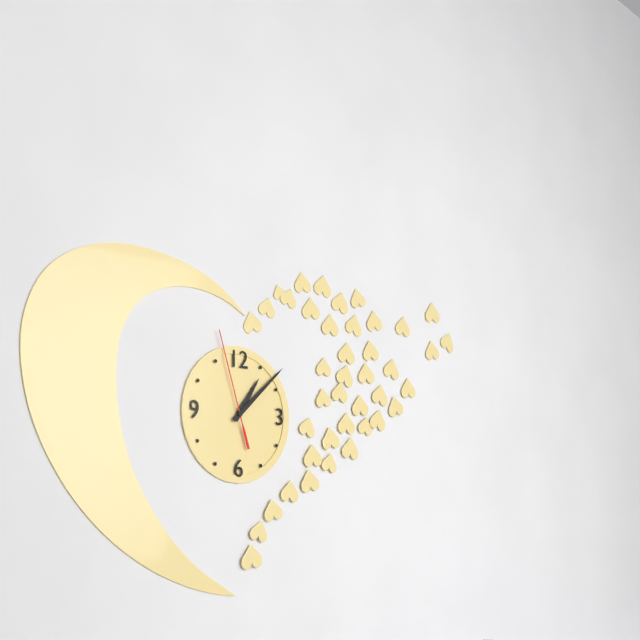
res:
1:08:57
